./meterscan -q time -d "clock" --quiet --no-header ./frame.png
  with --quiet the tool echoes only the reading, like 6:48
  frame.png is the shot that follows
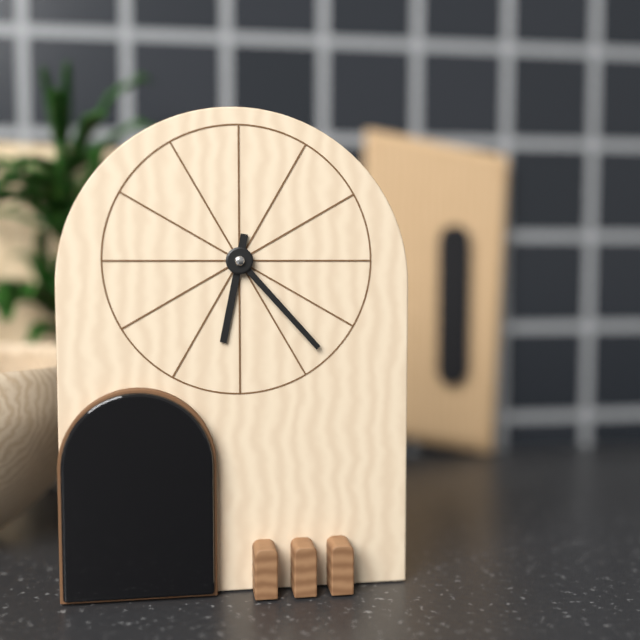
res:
6:23
